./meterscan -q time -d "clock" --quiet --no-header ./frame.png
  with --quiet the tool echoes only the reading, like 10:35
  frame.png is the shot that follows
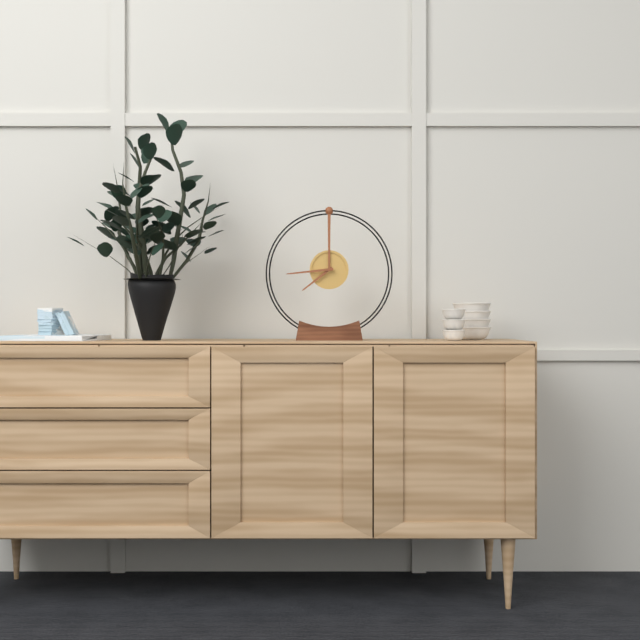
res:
7:44
